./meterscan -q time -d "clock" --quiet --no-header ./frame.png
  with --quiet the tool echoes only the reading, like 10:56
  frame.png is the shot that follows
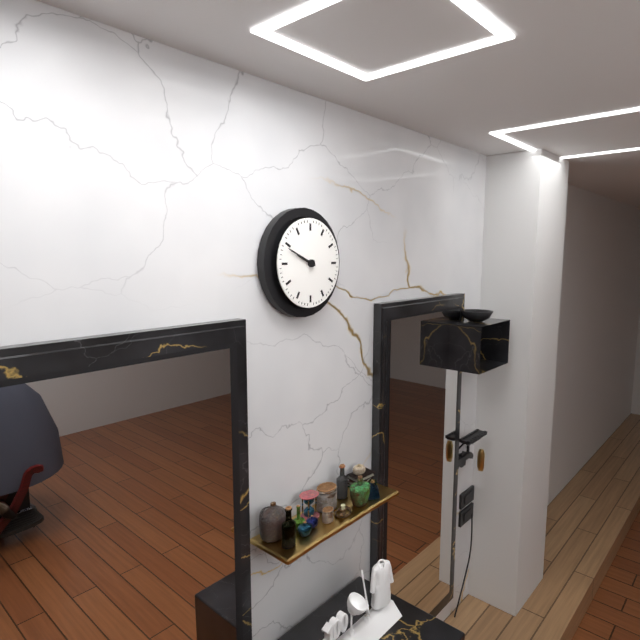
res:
9:49
